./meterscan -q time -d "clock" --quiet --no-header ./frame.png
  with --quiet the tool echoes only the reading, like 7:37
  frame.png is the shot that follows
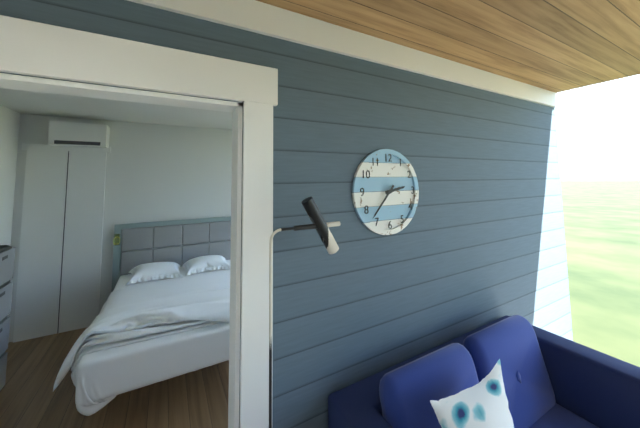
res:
2:37
